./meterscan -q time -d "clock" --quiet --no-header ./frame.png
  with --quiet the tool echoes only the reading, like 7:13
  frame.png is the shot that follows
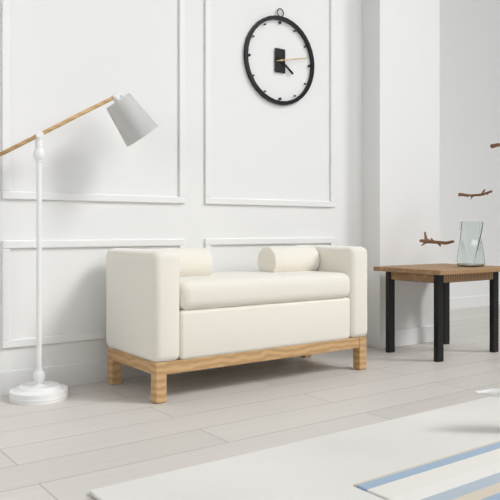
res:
4:13
